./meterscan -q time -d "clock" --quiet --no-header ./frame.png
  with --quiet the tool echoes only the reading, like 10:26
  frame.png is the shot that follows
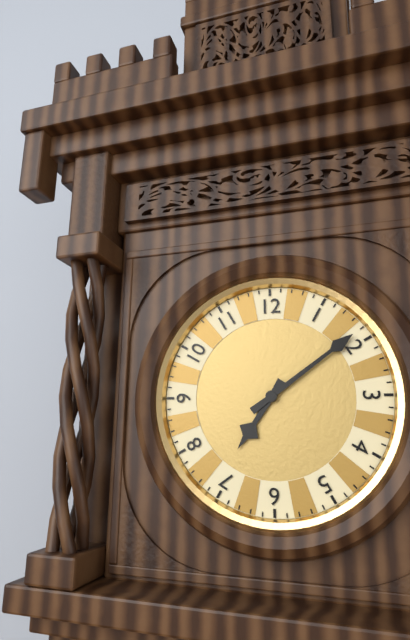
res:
7:09
